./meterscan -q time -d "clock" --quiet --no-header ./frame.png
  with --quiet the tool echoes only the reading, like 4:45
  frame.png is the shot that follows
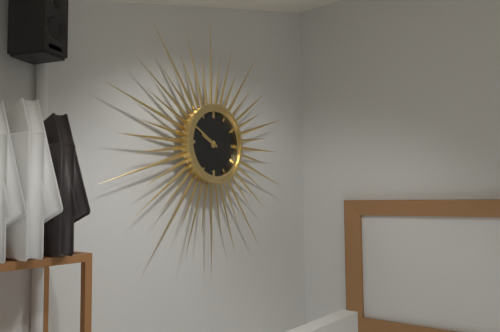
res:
9:50
